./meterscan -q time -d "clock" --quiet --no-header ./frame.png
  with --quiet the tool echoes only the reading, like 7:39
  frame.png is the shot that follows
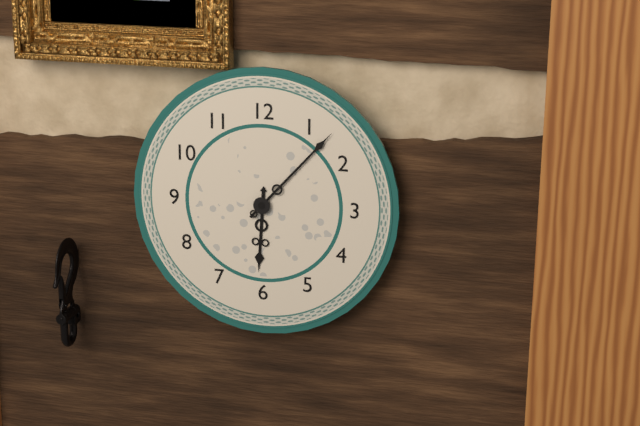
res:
6:07
